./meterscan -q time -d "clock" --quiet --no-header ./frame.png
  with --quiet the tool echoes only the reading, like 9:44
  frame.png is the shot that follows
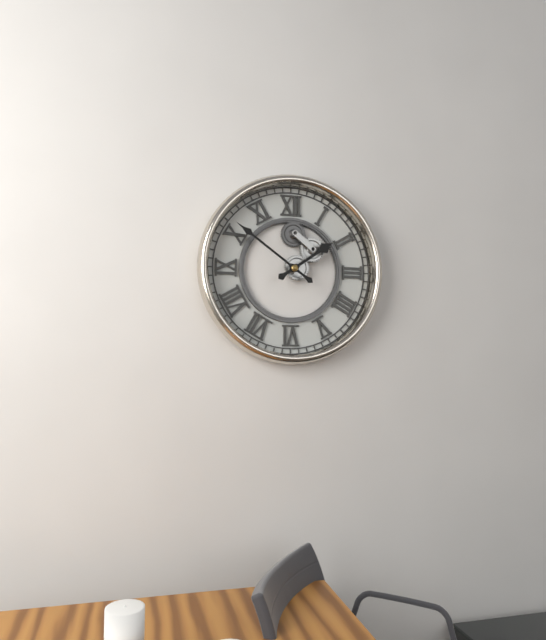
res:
1:51
